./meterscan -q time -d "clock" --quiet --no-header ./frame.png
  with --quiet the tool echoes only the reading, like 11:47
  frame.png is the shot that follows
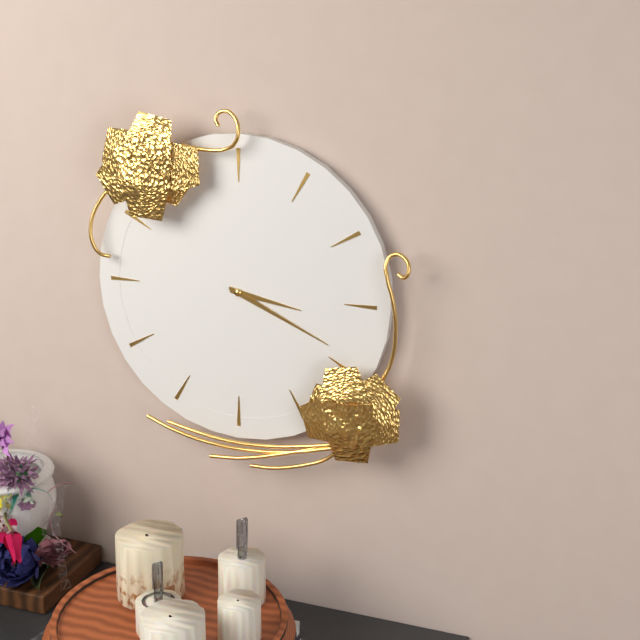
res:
3:19
